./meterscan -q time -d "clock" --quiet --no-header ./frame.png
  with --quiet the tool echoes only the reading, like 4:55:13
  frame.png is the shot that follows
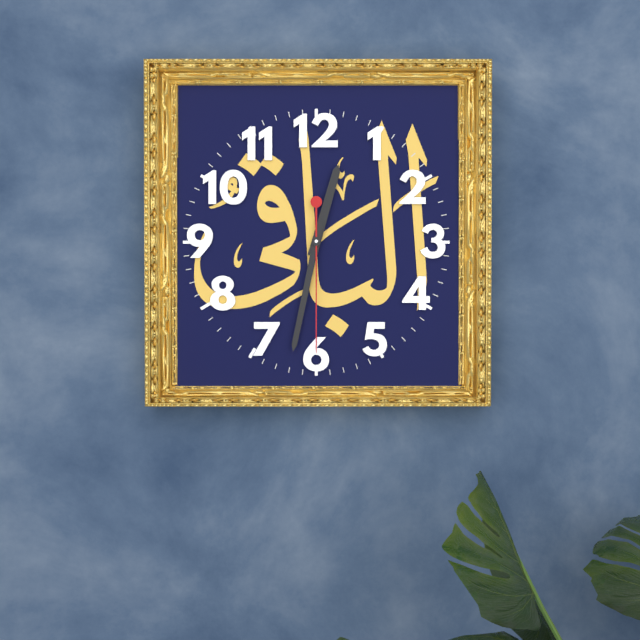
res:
12:32:30
